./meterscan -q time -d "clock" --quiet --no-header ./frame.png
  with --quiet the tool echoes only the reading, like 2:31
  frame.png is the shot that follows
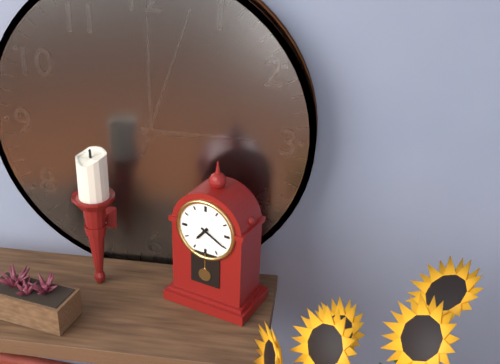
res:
7:20
